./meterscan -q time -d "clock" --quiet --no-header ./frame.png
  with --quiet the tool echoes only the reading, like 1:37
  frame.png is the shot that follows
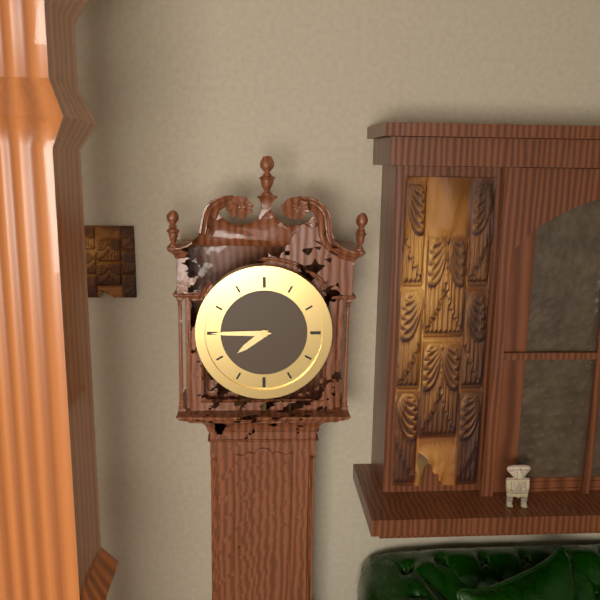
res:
7:45
